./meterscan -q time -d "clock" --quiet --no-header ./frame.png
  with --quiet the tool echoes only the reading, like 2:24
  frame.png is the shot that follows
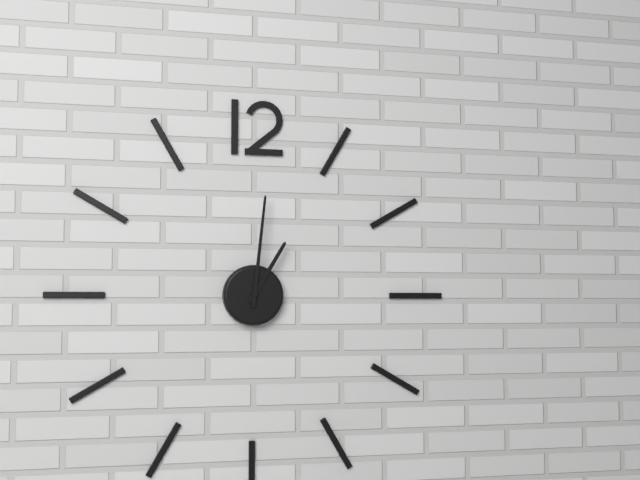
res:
1:01
